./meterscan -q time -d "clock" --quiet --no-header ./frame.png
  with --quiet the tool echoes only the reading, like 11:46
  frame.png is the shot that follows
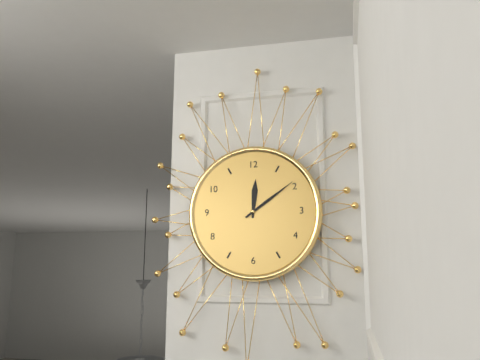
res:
12:09
